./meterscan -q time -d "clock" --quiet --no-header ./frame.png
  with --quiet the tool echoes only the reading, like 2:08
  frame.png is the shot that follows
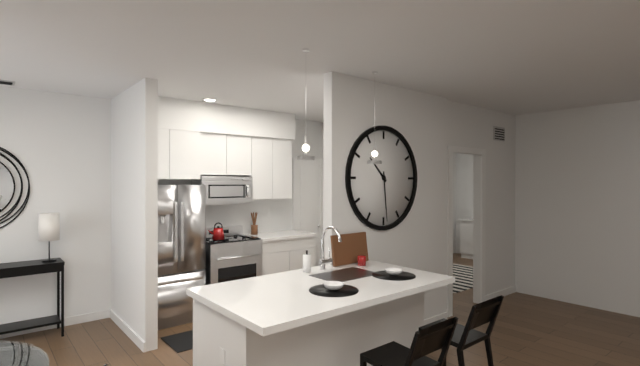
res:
10:29
